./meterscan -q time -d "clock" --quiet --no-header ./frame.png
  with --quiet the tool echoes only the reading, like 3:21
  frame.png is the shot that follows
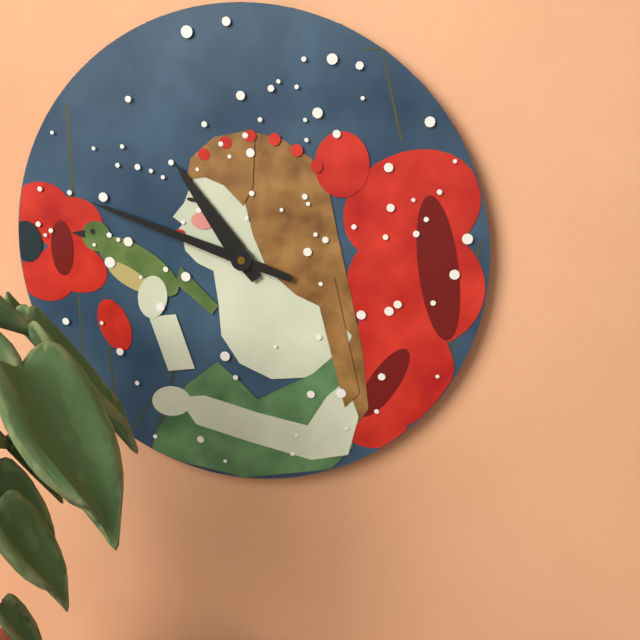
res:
10:48
